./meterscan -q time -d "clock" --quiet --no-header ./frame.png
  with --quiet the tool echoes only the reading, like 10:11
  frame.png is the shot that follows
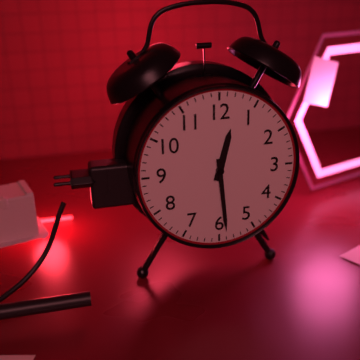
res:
12:29
